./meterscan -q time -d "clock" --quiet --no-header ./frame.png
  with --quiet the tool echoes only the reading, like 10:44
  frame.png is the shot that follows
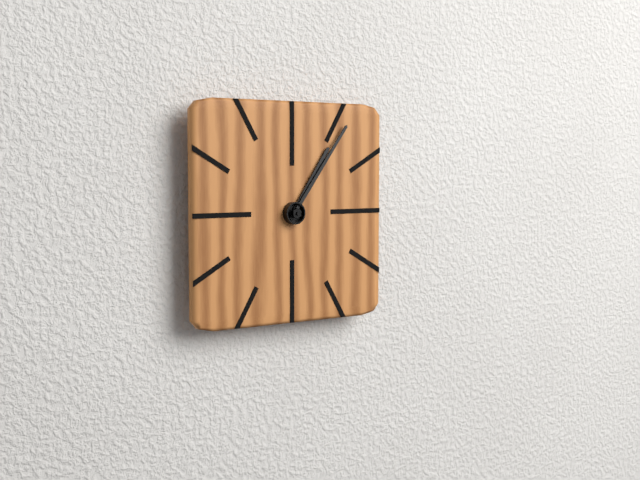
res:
1:06
